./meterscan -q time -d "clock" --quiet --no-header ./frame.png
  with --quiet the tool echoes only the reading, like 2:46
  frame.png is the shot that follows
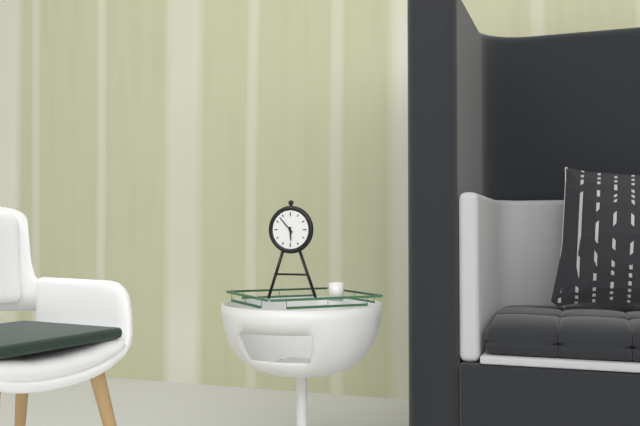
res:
5:53
